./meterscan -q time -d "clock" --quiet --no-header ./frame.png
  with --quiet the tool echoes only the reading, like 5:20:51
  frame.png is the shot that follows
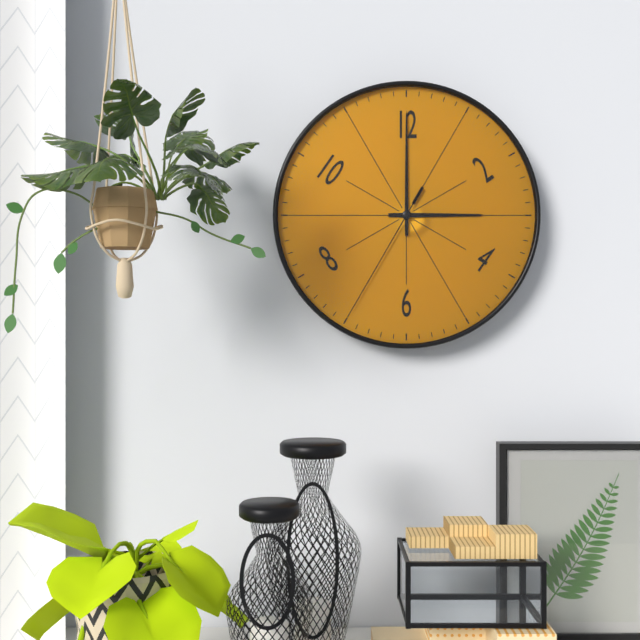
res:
3:00:35
